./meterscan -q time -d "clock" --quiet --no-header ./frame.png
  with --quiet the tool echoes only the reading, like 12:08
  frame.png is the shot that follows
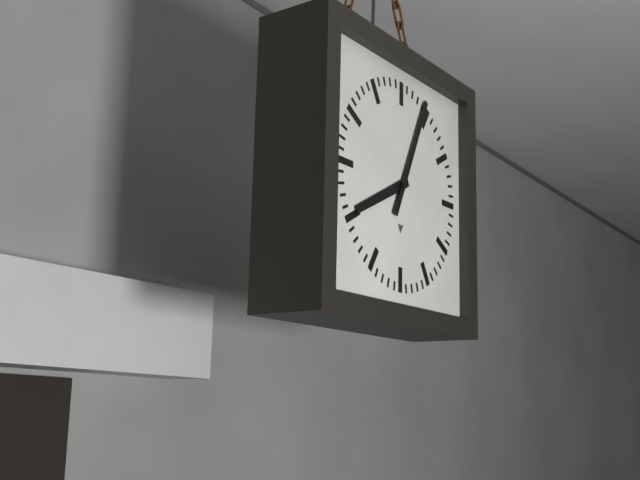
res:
8:04
